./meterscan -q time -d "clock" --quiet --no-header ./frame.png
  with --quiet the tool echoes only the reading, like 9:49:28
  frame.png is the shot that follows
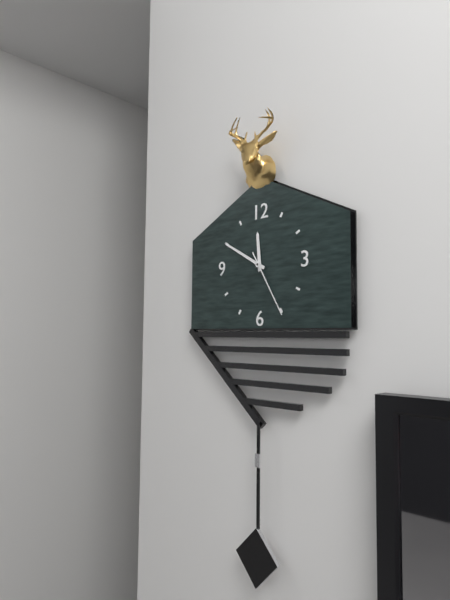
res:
11:50:25
